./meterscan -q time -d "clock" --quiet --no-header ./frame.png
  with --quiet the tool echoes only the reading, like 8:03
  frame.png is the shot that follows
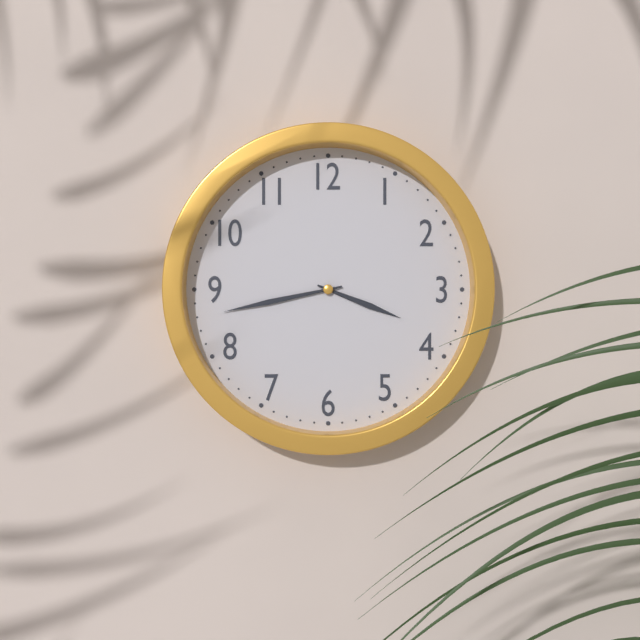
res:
3:43
